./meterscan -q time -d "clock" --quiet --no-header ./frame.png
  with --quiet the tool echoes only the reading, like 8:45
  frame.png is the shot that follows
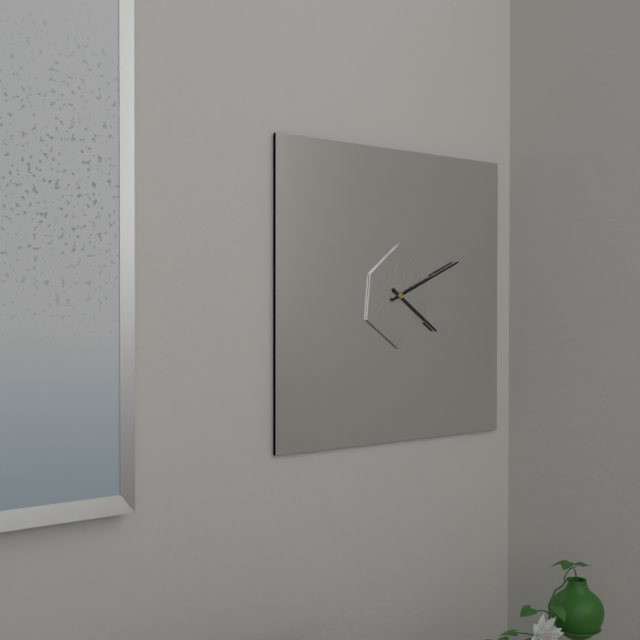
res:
4:11
